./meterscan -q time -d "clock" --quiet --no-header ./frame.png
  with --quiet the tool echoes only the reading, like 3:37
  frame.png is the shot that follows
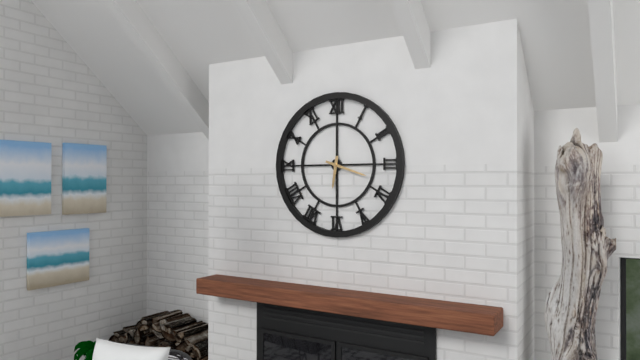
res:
6:18
